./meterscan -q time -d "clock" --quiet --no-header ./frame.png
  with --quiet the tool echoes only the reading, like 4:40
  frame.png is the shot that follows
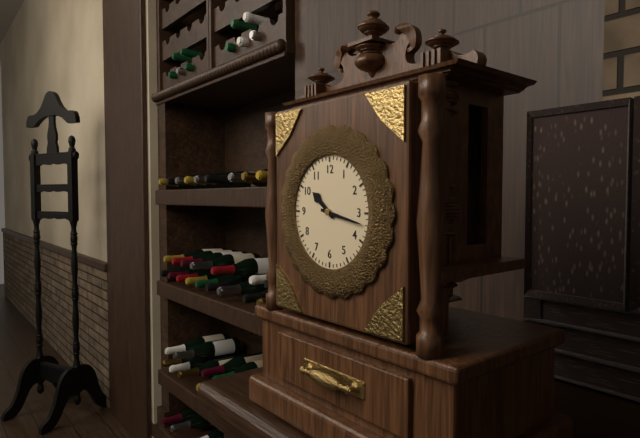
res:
10:17
